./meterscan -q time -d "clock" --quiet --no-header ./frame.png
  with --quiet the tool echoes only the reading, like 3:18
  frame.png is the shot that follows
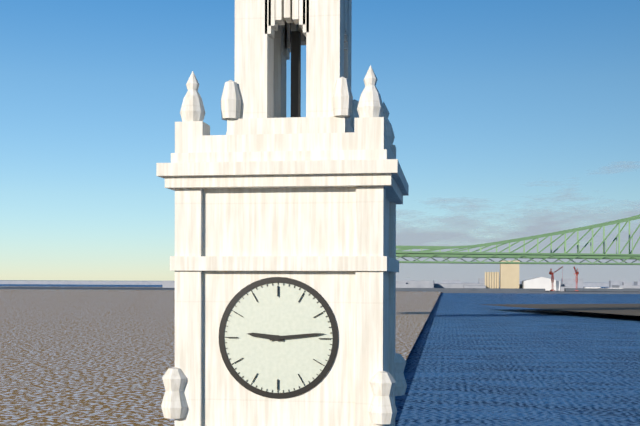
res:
9:14
